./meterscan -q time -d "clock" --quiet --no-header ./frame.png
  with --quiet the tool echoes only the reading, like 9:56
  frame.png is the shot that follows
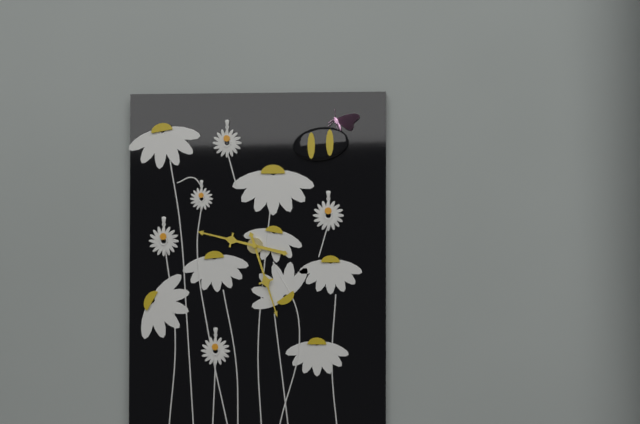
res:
9:27
